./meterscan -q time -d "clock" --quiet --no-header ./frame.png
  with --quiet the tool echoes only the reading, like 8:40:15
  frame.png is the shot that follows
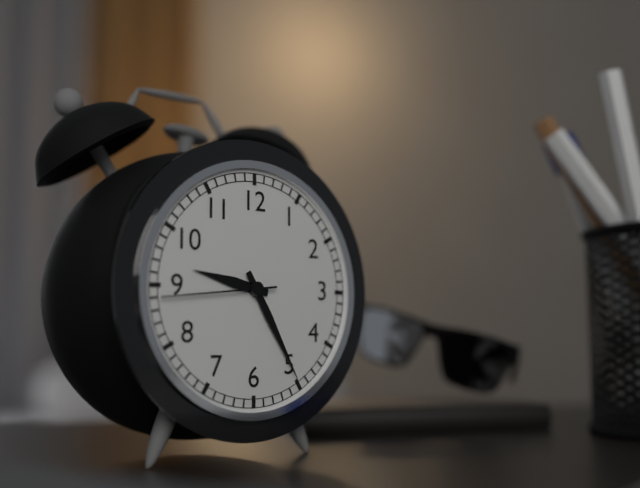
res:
9:25:44
